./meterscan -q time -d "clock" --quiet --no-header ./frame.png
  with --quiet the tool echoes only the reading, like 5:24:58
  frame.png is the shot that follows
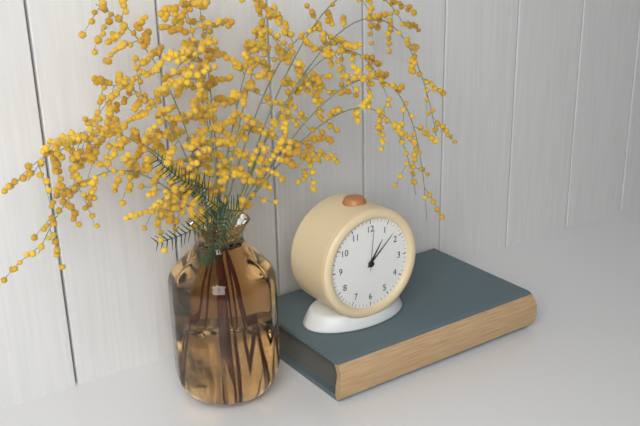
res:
1:08:01
